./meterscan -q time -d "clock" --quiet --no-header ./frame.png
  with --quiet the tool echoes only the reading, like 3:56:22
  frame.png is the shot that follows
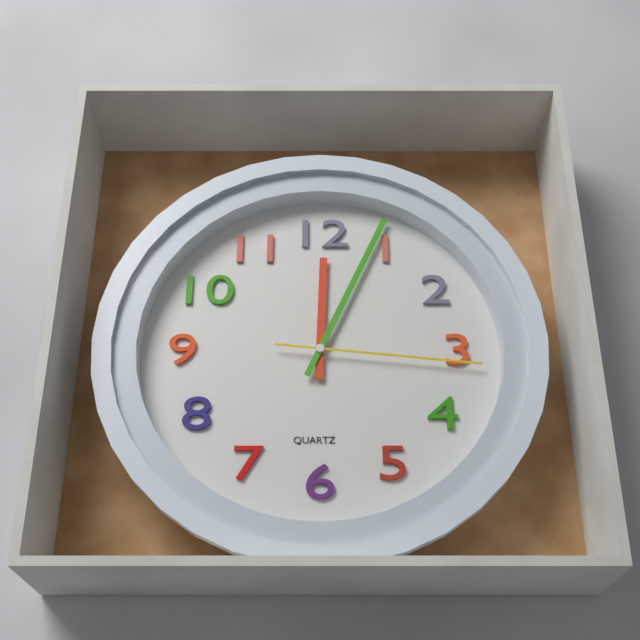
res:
12:04:16
